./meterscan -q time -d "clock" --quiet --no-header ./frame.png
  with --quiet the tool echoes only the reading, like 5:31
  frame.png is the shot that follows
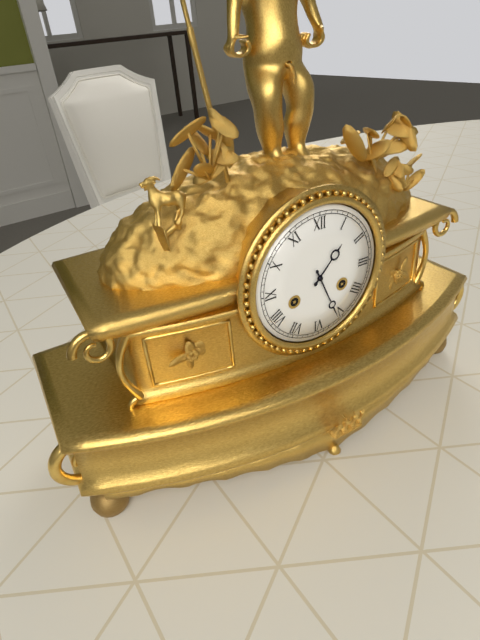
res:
1:26
